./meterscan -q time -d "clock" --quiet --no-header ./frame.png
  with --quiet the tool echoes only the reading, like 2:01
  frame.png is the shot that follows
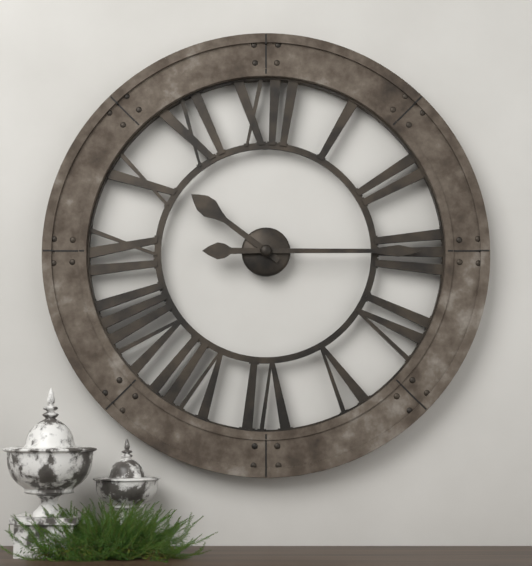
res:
10:15
